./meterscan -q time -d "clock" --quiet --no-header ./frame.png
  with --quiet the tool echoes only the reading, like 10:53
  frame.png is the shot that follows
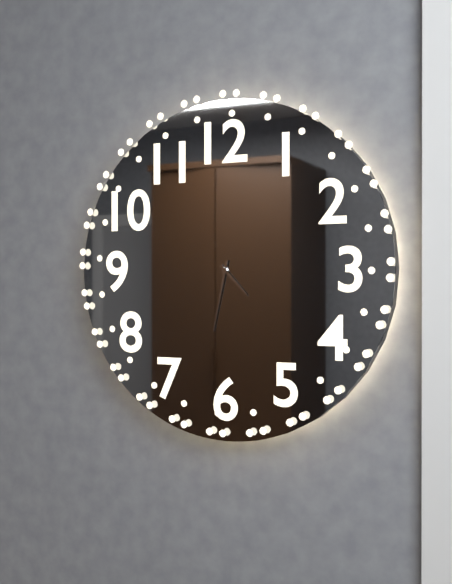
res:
4:32
